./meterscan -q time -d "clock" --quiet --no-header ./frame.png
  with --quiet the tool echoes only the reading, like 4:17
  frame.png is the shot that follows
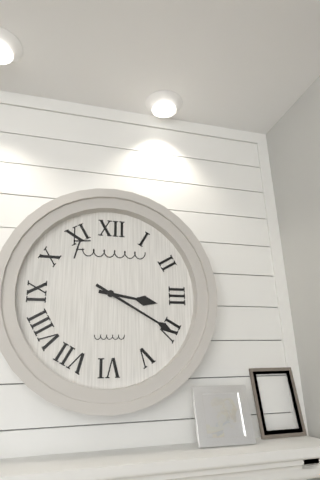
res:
3:20
